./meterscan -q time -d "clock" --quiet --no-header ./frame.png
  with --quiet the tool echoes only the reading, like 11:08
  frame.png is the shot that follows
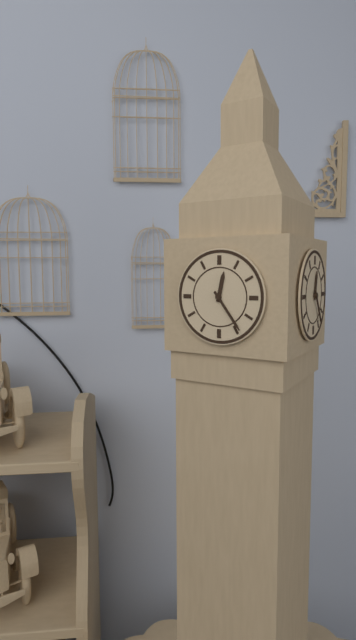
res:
12:24
